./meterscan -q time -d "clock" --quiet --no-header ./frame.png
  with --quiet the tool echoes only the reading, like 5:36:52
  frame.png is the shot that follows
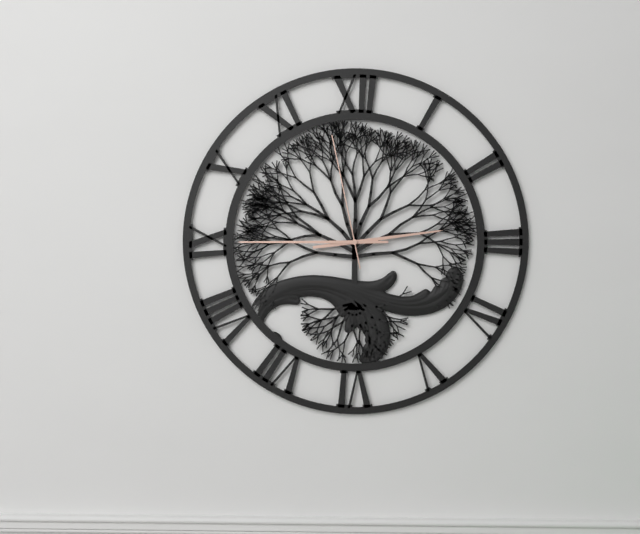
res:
2:45:58
